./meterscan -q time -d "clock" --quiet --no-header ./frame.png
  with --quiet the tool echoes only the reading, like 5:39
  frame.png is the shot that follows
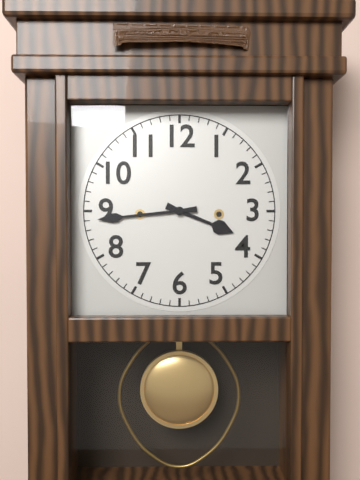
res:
3:44
